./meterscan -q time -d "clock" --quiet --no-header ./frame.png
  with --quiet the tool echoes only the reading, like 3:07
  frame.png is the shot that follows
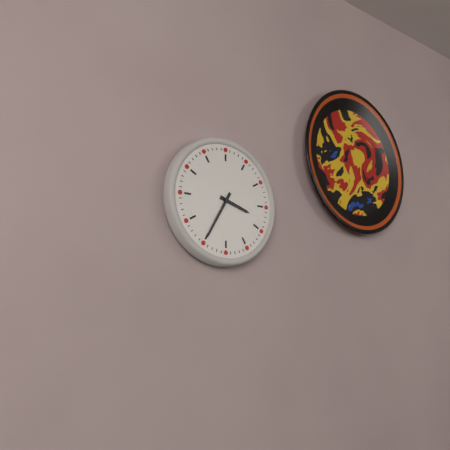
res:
3:35
